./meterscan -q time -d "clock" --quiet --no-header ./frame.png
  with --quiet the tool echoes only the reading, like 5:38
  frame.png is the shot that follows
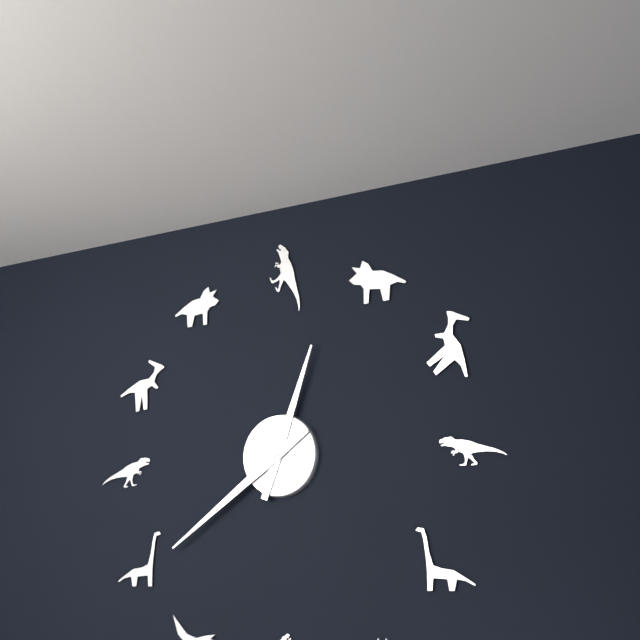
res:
12:39
